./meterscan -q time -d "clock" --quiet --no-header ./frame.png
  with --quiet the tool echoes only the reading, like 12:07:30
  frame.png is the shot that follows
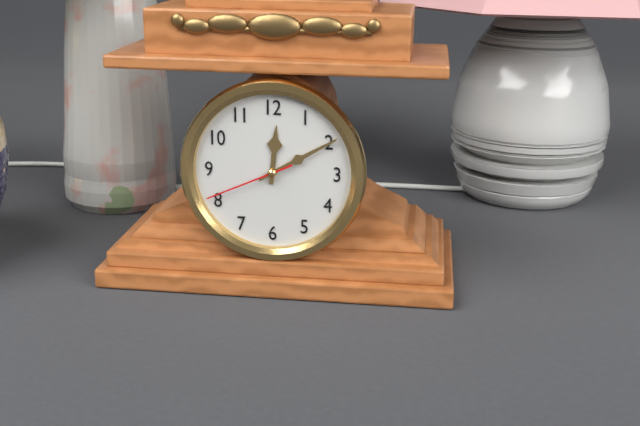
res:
12:10:41
